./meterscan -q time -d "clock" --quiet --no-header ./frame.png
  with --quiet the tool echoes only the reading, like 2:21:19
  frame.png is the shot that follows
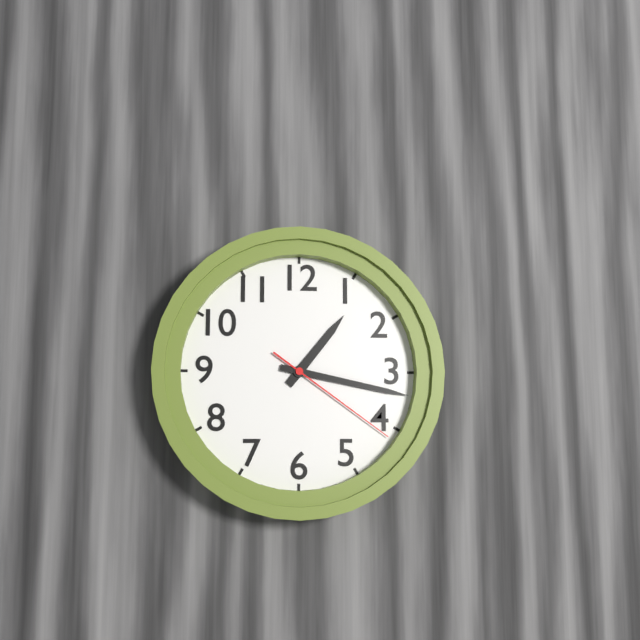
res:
1:17:21
